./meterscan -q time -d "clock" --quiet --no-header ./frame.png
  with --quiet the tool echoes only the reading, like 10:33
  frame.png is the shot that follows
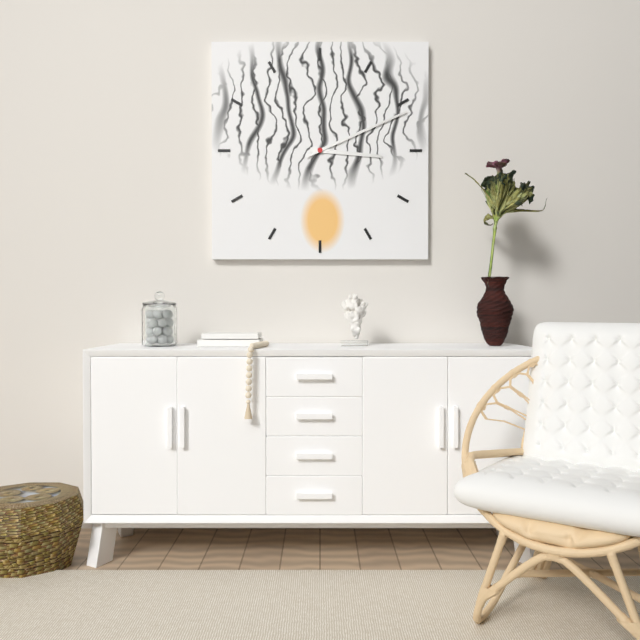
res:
3:11
